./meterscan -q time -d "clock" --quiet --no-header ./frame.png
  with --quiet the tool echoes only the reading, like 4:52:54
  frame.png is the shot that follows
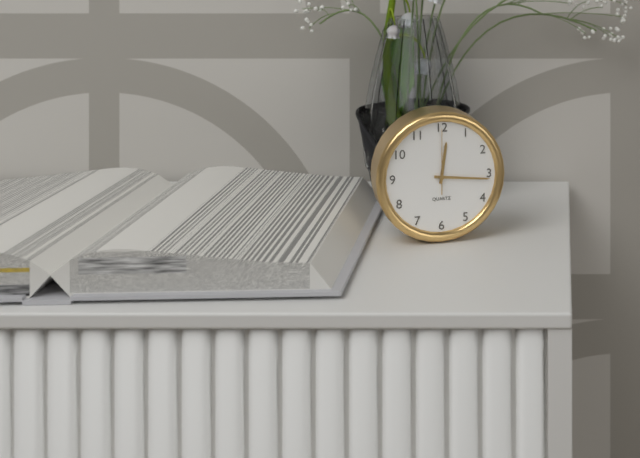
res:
12:16:00
